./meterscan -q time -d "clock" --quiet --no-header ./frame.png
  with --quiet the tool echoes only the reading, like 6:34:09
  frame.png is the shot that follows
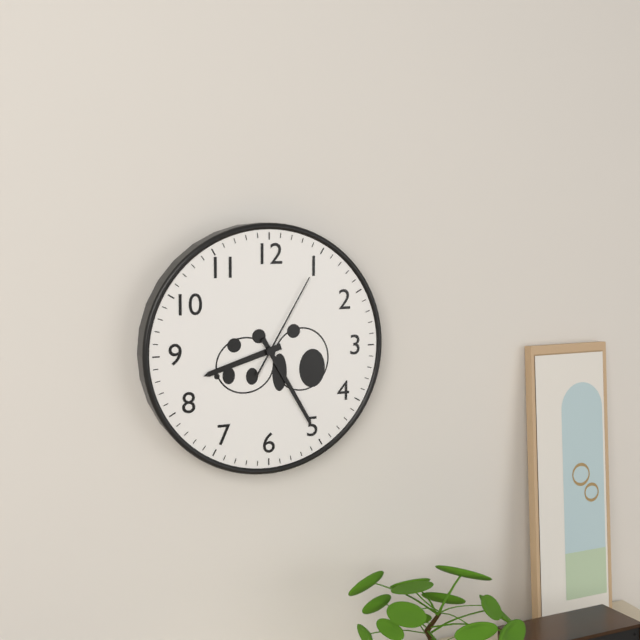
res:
8:25:05
